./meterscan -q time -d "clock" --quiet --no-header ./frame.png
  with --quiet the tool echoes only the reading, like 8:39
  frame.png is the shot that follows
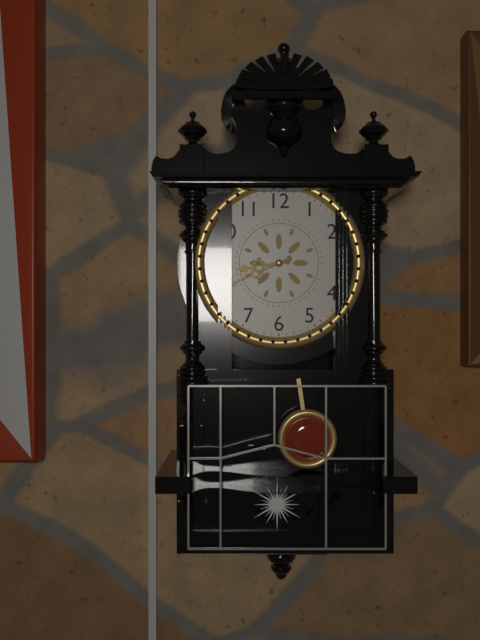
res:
8:41
